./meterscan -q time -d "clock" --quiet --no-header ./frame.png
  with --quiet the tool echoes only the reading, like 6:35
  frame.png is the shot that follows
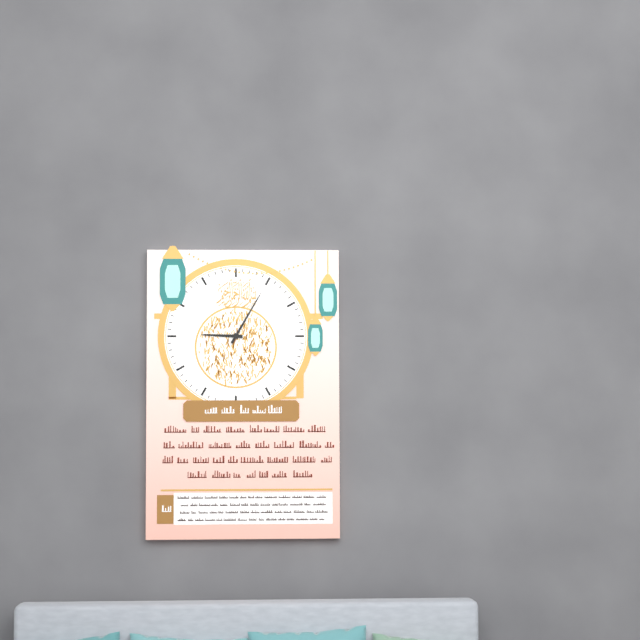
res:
9:05
